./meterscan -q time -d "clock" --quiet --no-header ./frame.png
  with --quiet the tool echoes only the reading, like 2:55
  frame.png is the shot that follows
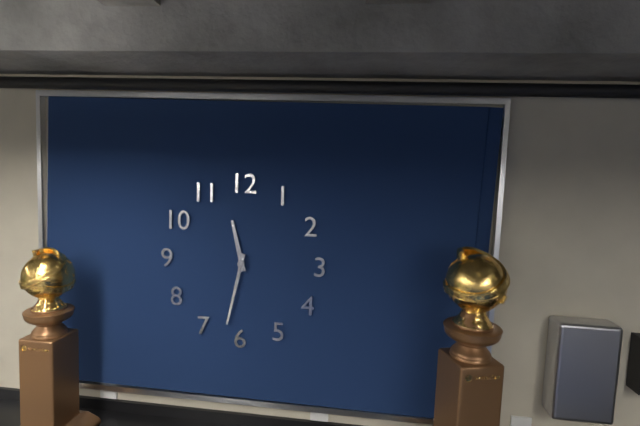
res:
11:32
